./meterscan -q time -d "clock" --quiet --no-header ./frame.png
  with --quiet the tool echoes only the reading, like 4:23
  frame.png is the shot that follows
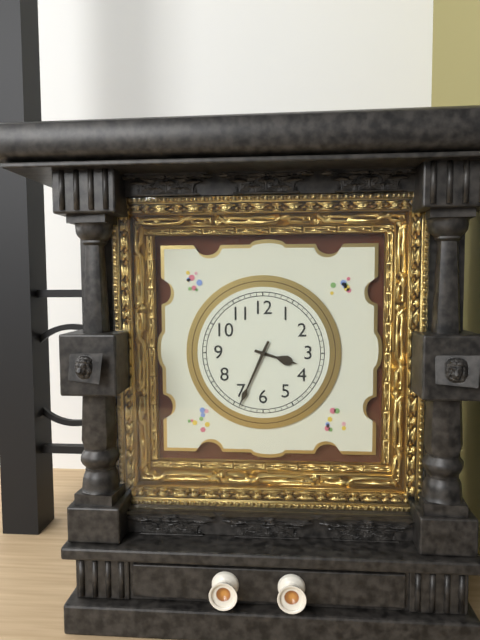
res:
3:34
